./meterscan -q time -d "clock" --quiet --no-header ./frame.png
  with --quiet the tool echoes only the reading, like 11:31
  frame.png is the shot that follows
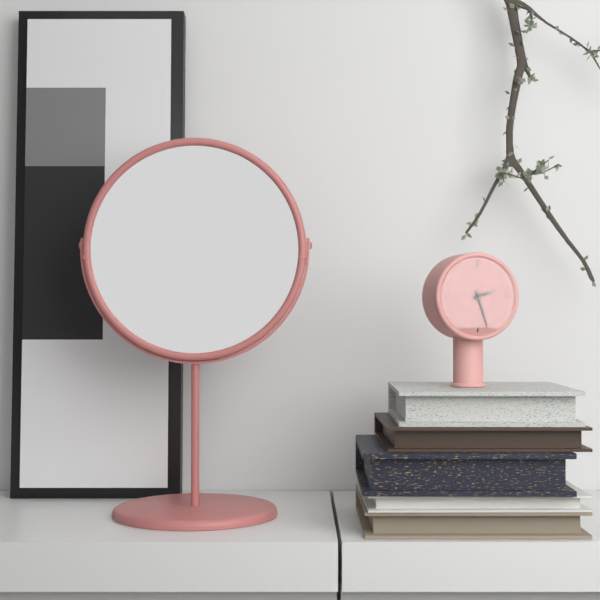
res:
2:27
